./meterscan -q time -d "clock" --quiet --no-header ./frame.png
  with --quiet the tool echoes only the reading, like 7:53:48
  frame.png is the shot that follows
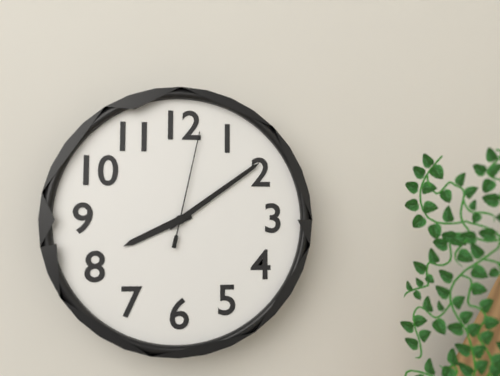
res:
8:09:02
